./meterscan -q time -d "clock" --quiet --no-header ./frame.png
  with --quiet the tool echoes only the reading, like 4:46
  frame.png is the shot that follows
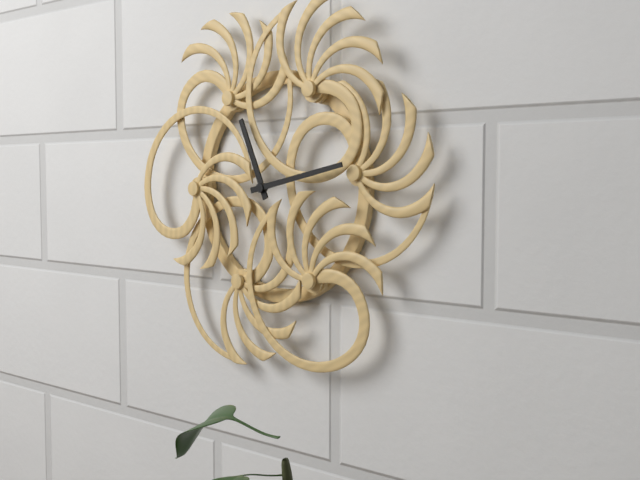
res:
11:13
